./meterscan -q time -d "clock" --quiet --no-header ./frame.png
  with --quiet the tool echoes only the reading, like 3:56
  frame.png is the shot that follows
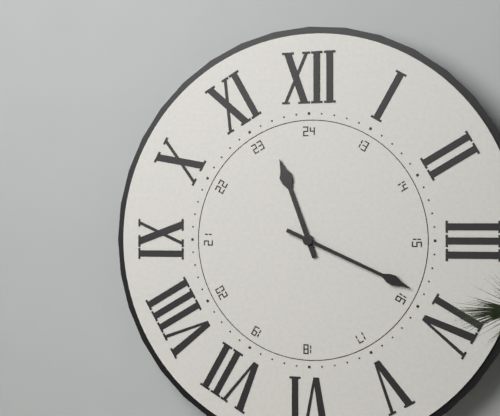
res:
11:19
